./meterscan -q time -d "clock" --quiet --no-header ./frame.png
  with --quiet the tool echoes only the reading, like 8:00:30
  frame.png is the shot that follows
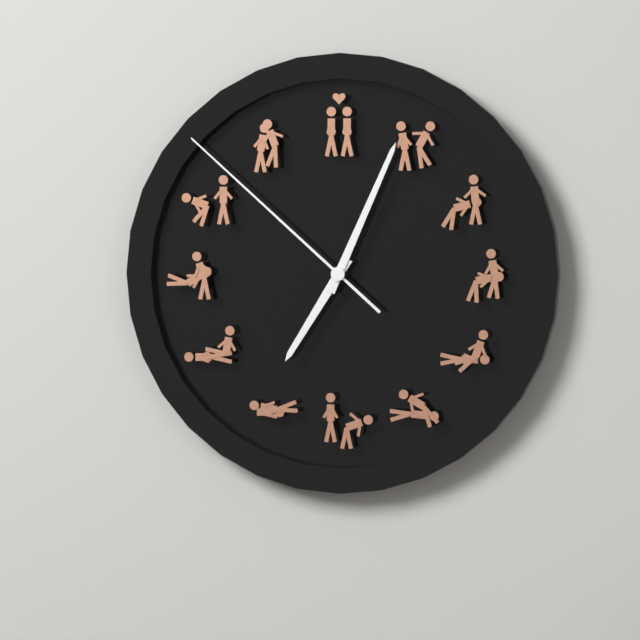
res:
7:04:52
